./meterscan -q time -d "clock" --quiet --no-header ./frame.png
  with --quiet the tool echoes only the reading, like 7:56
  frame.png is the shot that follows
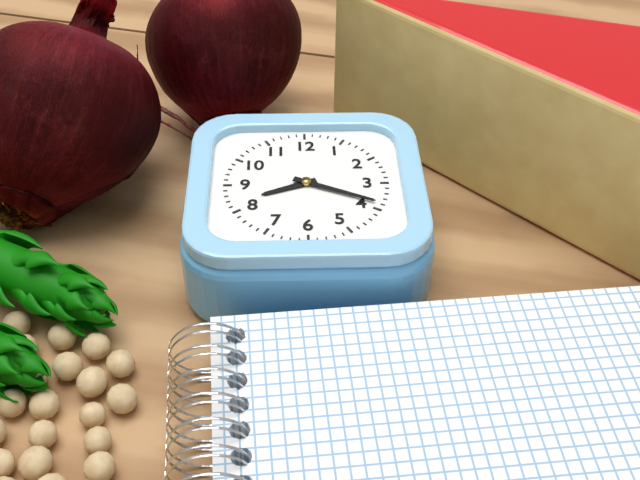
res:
8:19
